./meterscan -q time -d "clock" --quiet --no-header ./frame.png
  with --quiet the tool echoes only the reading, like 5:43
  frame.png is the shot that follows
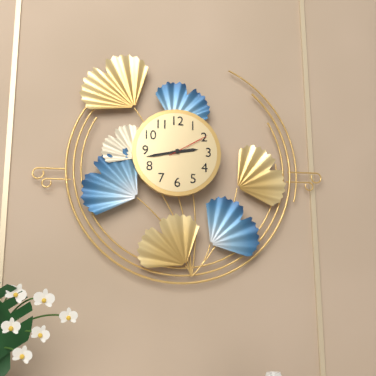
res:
2:43
